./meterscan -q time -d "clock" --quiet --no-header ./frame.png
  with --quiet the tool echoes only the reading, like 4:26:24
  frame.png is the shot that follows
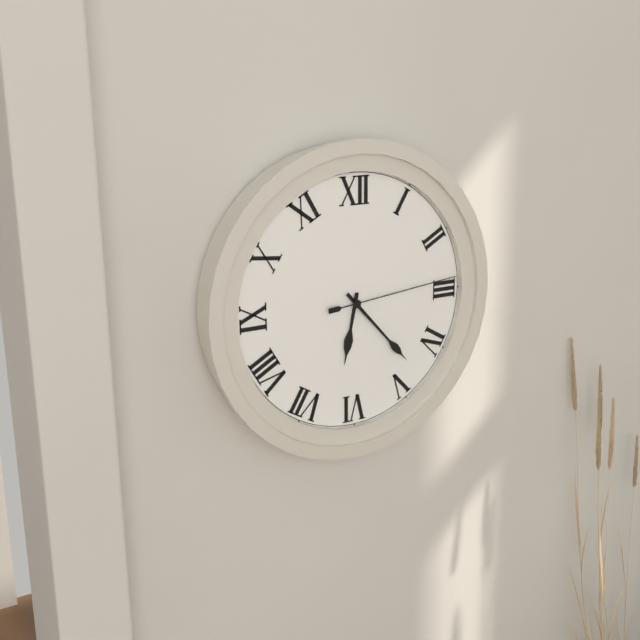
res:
6:23:14
